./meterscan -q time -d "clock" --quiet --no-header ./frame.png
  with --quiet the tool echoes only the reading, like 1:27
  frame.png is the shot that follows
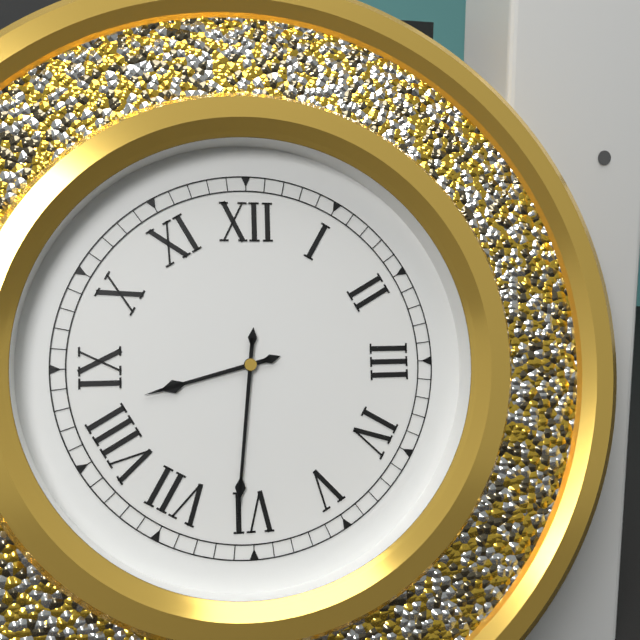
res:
8:31
